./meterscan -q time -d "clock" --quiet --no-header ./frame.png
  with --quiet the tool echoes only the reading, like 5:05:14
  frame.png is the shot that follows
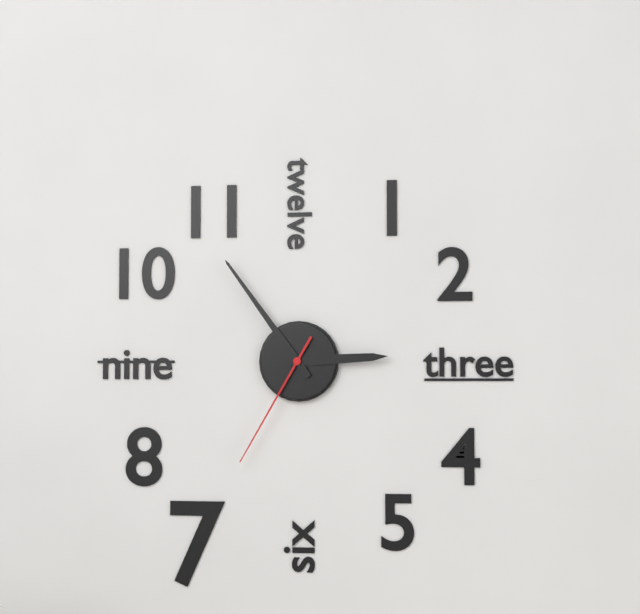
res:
2:54:35
